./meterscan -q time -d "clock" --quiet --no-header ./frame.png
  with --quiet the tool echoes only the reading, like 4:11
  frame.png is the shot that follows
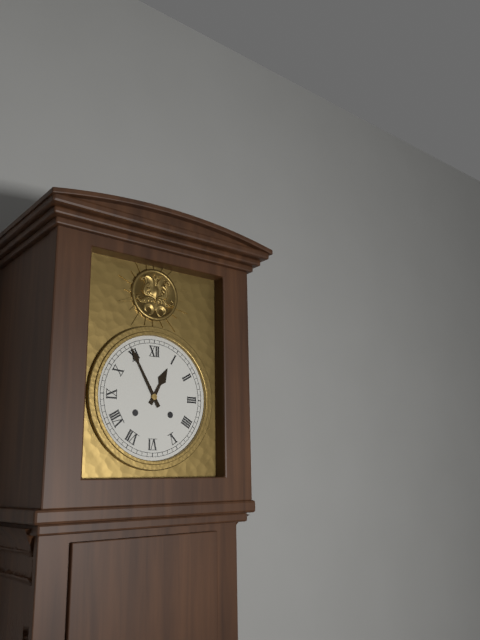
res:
12:55
